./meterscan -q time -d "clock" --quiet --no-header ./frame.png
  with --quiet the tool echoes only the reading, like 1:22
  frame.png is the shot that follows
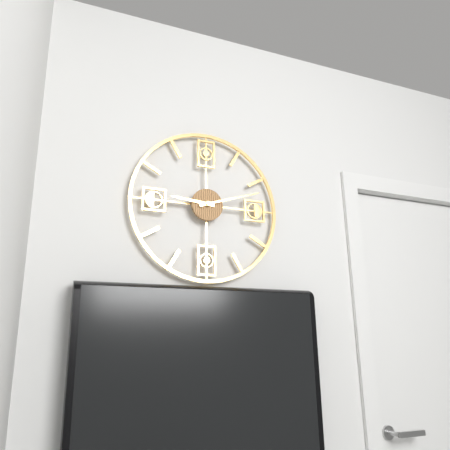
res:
9:12
